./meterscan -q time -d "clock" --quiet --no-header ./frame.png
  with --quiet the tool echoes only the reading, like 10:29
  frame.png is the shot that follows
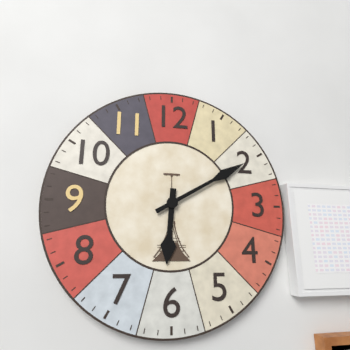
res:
6:10
